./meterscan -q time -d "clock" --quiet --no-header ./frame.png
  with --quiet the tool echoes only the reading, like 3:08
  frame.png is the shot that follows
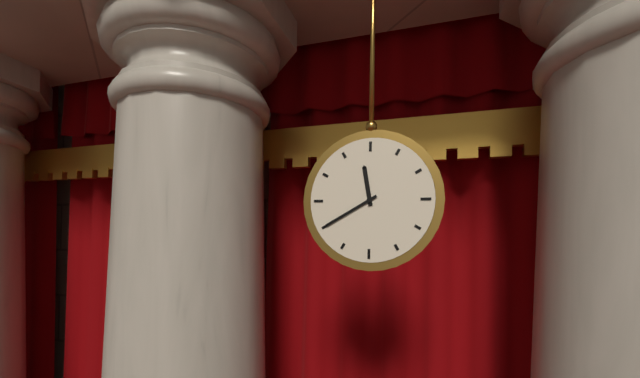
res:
11:40
